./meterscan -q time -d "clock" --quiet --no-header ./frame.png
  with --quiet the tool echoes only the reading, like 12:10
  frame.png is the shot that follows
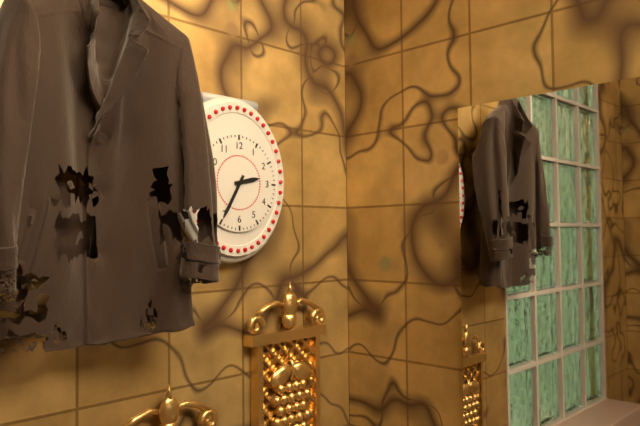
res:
2:35
